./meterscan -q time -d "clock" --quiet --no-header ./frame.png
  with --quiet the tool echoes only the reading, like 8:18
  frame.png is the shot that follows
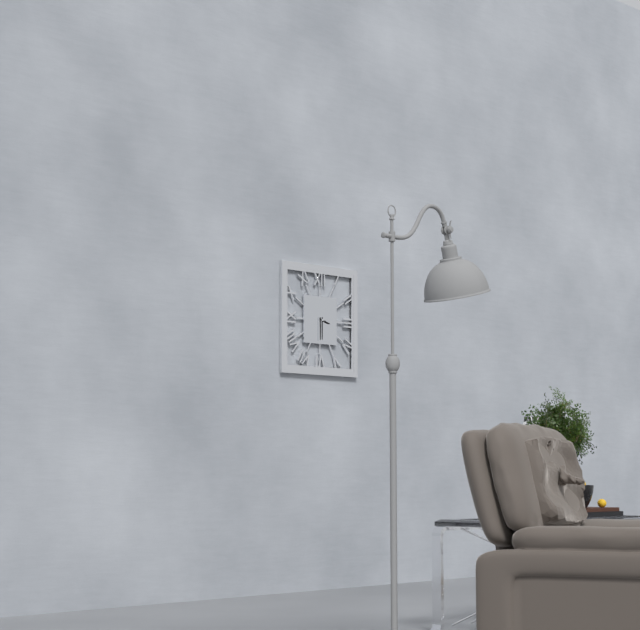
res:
3:30
